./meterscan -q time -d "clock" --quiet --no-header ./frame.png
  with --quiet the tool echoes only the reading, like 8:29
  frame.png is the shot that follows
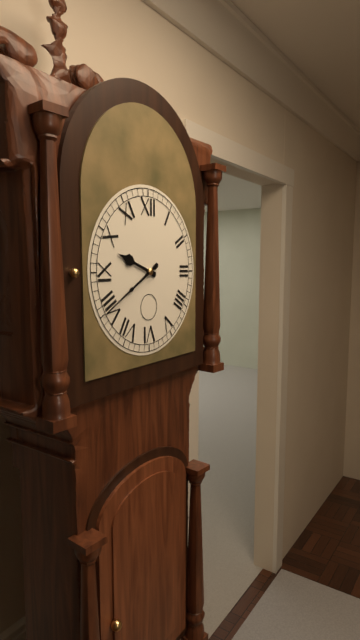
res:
9:40
